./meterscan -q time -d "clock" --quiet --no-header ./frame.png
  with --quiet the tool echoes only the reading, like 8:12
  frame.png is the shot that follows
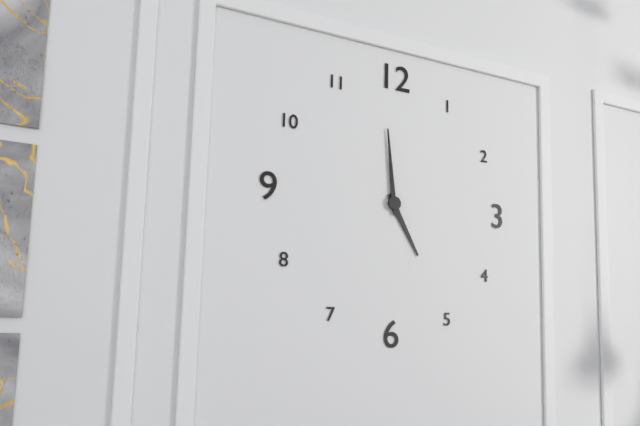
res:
4:59
